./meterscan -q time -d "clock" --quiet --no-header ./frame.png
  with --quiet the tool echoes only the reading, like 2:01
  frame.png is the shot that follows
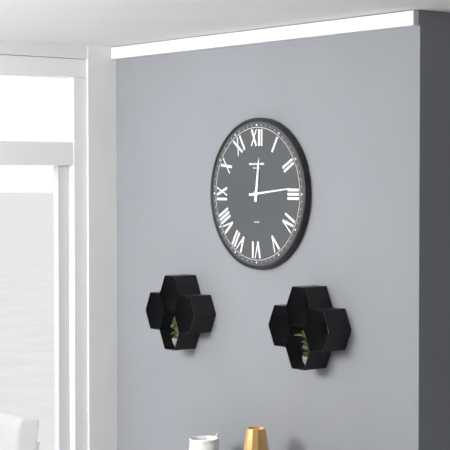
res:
12:14
